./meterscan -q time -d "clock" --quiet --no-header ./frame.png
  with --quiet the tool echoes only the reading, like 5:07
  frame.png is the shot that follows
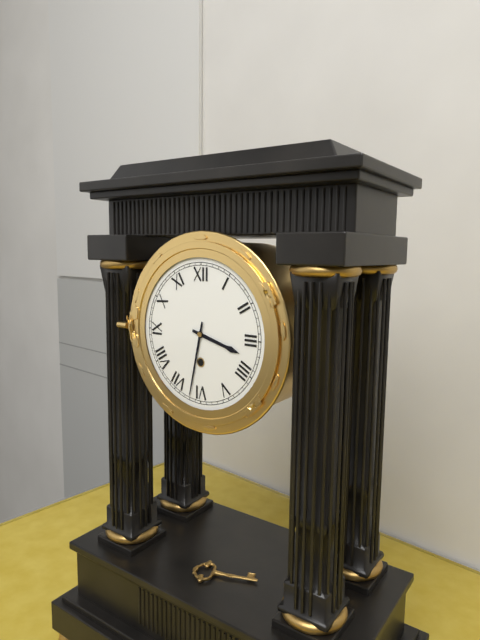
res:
3:32
